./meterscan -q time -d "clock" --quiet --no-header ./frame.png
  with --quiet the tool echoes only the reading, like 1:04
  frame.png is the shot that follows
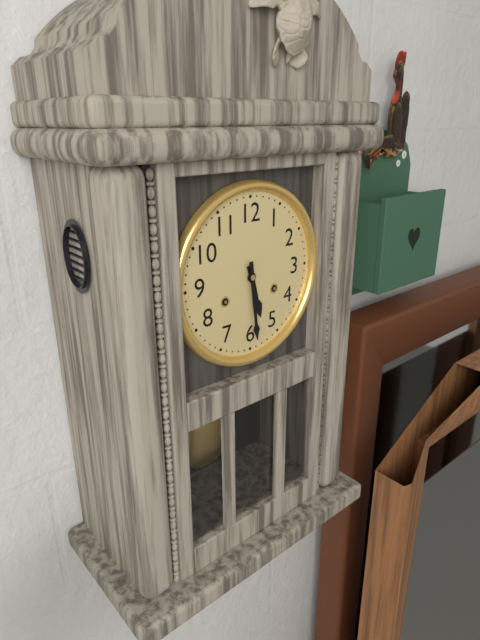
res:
5:29
